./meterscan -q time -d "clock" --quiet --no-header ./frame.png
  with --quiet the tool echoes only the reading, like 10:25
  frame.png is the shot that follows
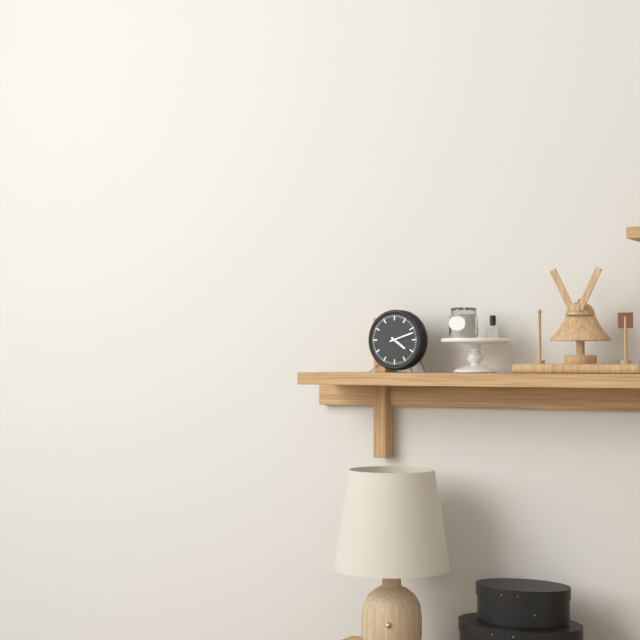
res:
4:12
